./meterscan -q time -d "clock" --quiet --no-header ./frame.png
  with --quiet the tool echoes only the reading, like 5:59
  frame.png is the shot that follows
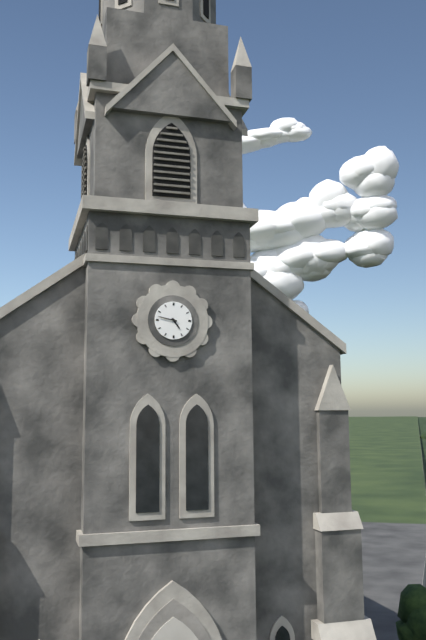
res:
4:47
